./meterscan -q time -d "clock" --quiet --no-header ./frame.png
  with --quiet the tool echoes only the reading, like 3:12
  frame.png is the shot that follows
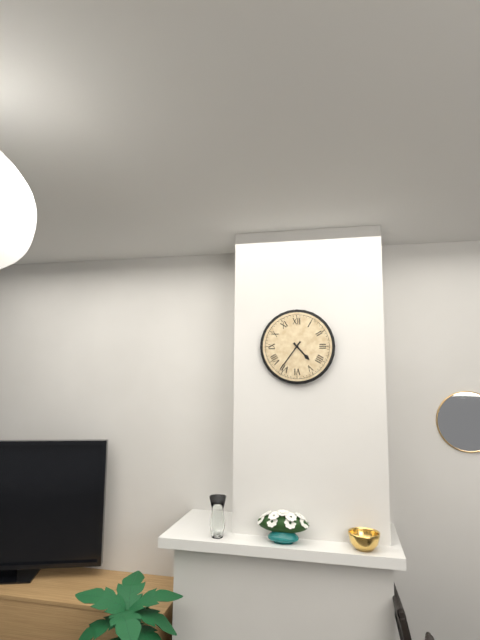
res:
4:36
